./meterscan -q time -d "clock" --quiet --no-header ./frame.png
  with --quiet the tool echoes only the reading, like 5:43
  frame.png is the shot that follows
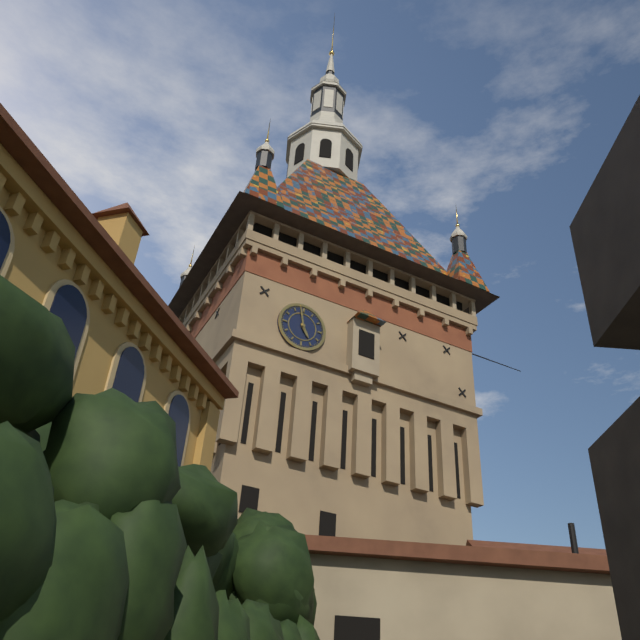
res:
4:58
